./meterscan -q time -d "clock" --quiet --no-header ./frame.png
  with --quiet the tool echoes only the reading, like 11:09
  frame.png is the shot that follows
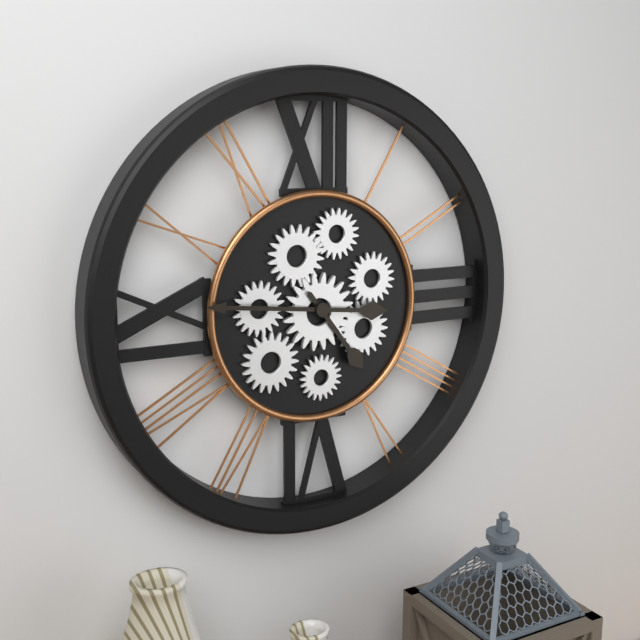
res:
4:46
